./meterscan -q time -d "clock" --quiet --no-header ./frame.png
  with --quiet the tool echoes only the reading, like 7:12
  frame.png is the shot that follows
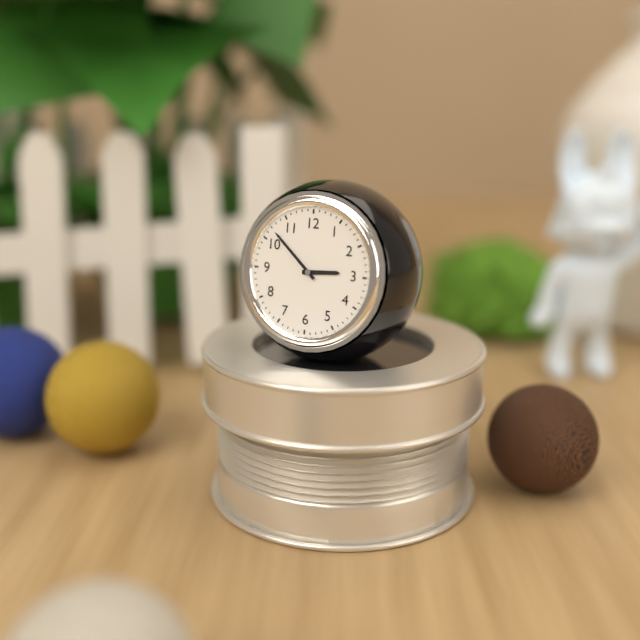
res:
2:52
